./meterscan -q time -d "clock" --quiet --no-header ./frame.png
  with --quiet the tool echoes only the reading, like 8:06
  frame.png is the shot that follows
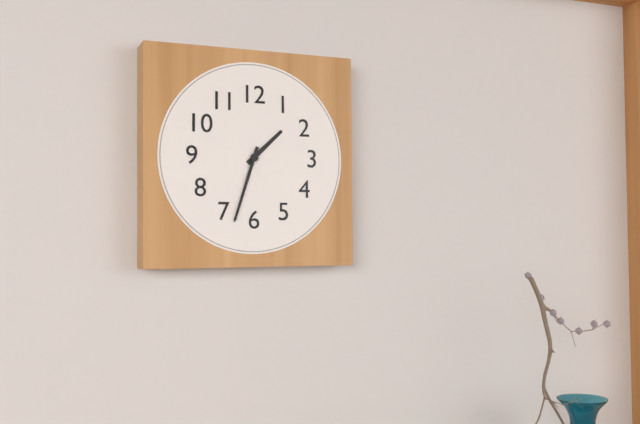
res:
1:33
